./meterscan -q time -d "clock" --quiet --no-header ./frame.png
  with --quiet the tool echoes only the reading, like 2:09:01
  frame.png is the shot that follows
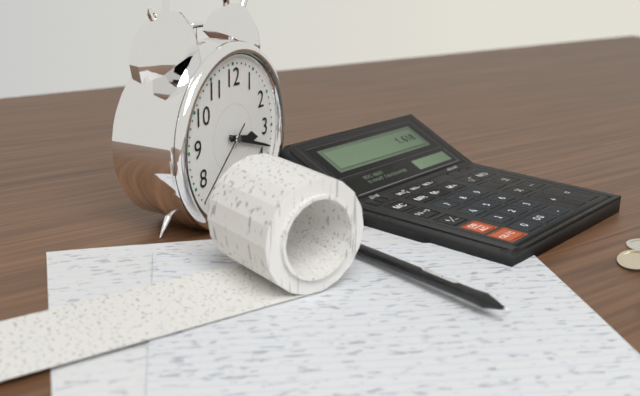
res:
3:18:38
